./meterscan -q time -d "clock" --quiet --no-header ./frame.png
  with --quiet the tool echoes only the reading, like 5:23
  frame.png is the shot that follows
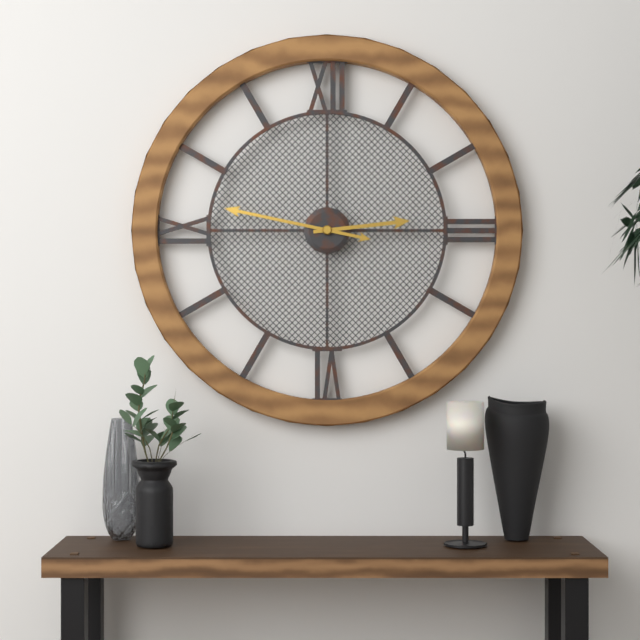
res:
2:47
